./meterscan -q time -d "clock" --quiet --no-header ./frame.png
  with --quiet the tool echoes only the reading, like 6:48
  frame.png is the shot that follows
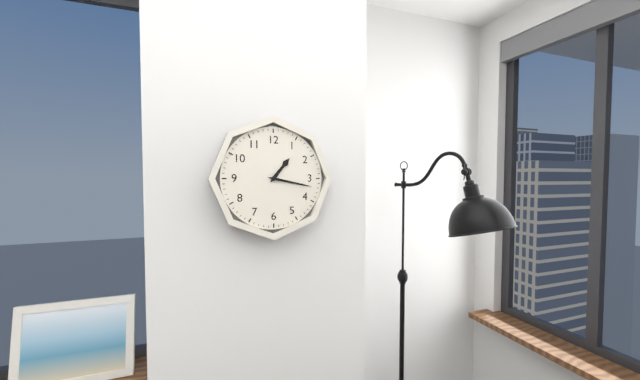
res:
1:17
